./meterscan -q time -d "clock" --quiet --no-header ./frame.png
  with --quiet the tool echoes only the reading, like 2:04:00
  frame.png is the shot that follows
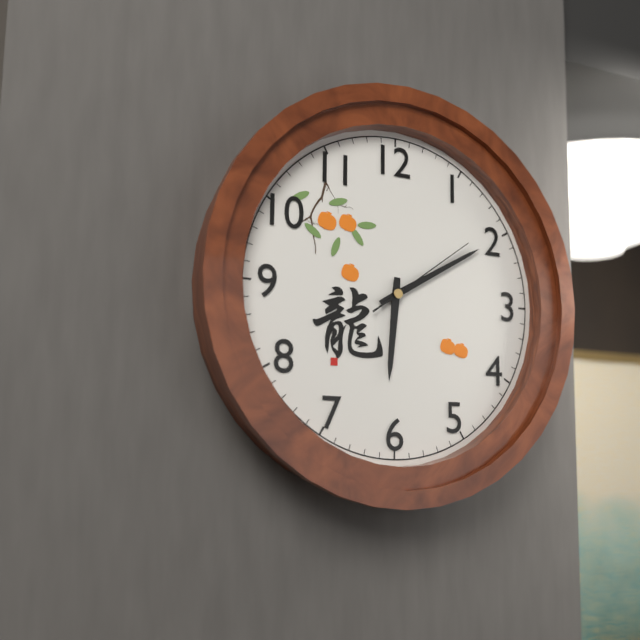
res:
6:10:09
